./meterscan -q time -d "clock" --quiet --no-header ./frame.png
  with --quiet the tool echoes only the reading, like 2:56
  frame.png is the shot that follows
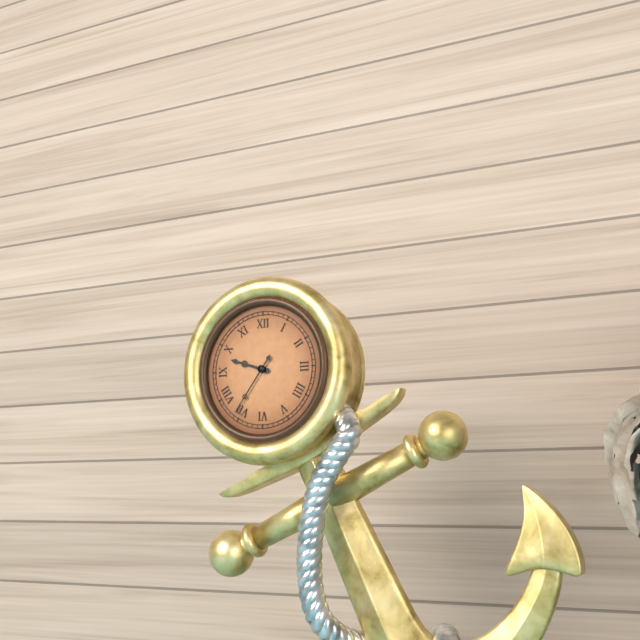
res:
9:36
